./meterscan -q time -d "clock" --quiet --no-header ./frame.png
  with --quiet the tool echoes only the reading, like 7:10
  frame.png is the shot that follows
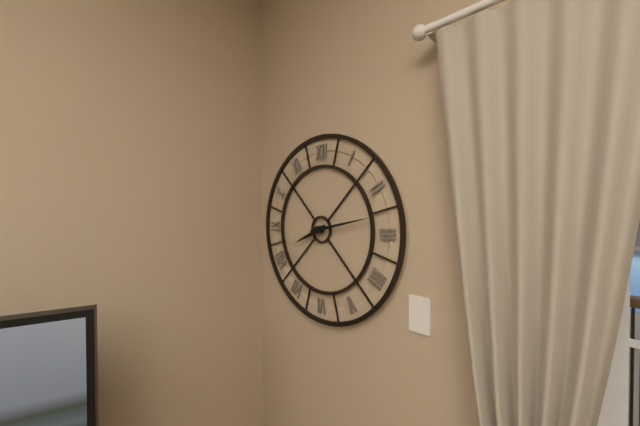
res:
8:13
